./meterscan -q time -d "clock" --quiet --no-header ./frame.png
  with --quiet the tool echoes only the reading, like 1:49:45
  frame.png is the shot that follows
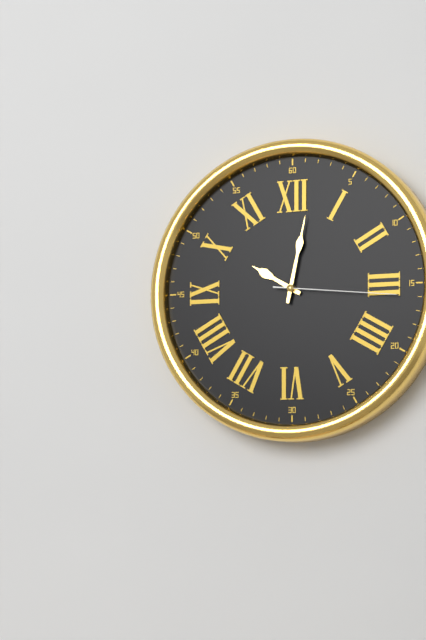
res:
10:02:16
